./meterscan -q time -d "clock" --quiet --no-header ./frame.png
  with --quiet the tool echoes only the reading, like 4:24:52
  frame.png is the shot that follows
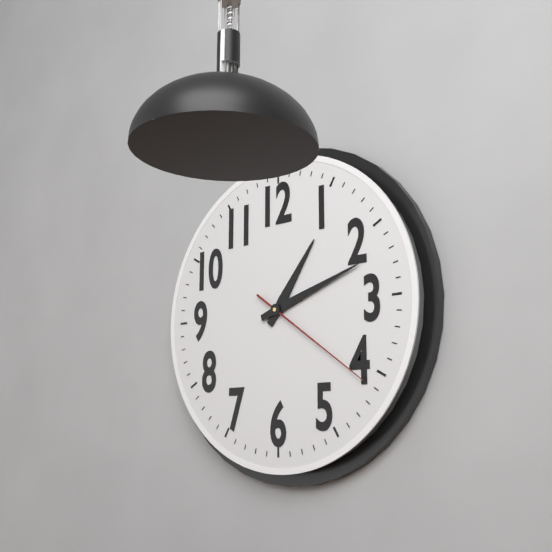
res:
1:12:21
